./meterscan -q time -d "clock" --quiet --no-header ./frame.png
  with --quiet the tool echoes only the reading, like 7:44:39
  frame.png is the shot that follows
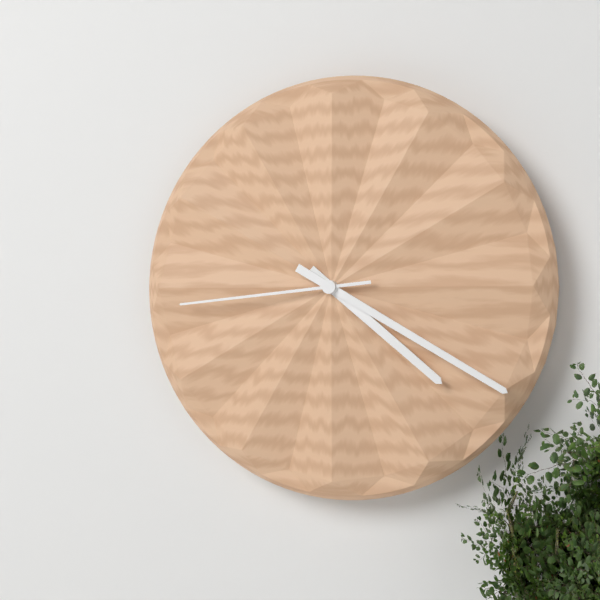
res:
4:20:44
